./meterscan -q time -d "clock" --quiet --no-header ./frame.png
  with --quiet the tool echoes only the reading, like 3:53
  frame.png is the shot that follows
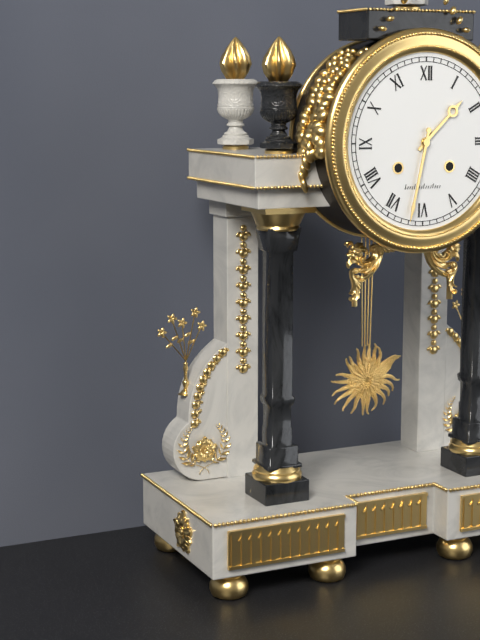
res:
1:32
